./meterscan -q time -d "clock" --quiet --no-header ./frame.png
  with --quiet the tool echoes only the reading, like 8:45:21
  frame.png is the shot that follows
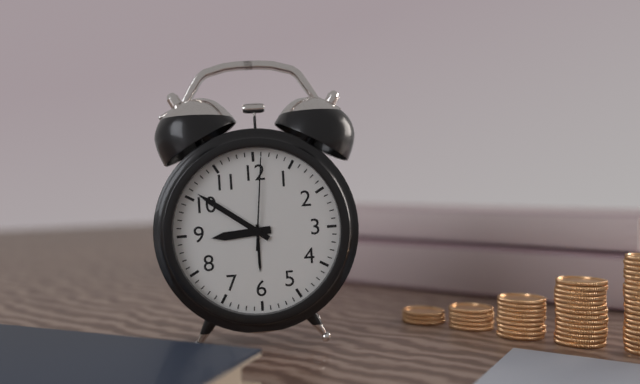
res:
8:51:01
